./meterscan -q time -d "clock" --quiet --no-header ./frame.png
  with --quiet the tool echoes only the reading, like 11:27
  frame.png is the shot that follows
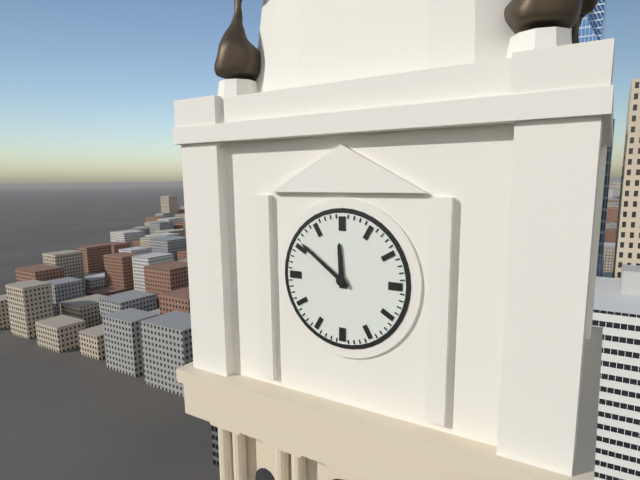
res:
11:51
